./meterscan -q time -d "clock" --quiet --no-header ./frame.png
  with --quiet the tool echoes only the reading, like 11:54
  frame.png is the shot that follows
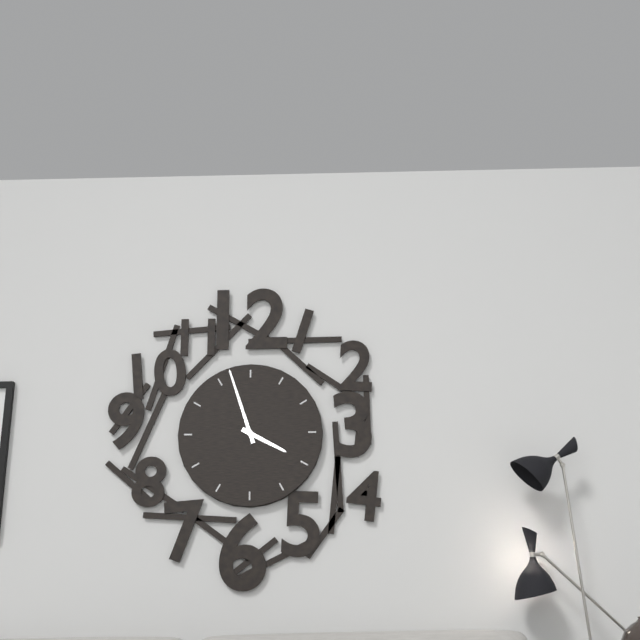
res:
3:57
